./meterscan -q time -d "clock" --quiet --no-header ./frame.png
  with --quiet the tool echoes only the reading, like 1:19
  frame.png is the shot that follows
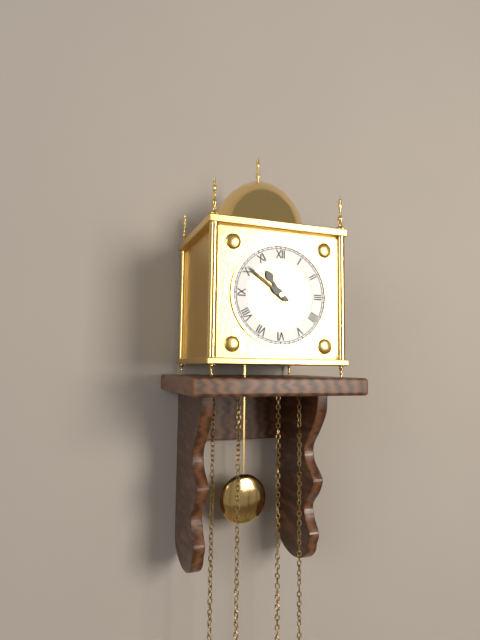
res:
10:51
